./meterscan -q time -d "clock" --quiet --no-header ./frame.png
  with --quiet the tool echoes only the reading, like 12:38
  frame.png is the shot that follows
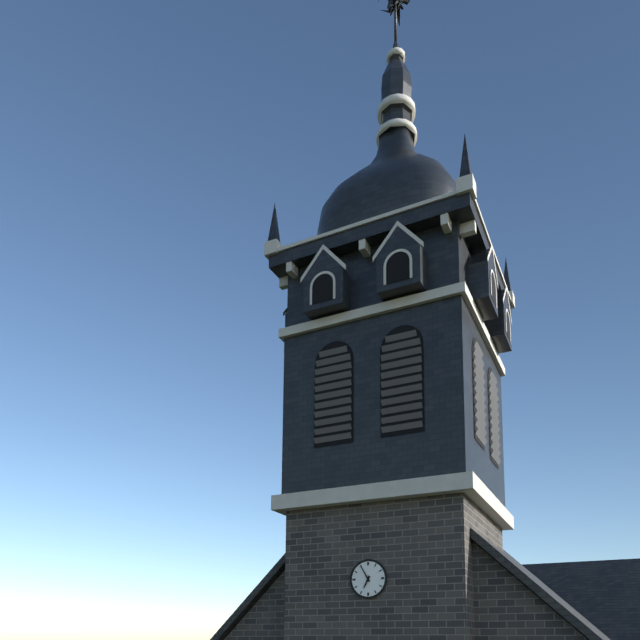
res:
6:55
